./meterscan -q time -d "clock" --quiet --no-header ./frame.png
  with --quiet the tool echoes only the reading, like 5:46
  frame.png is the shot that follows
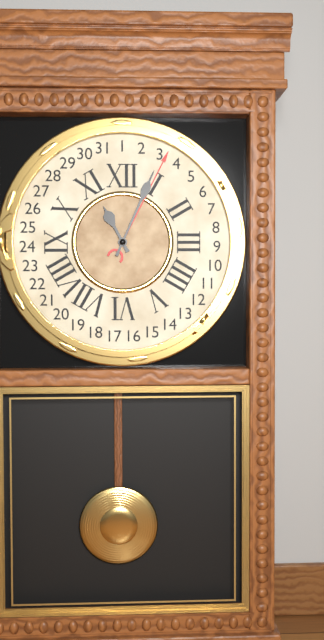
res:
11:04
